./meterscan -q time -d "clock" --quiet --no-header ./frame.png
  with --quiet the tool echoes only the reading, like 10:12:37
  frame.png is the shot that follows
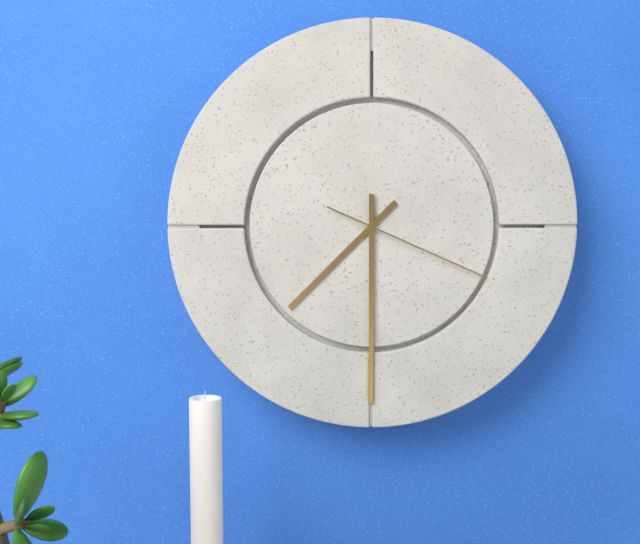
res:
7:30:19
